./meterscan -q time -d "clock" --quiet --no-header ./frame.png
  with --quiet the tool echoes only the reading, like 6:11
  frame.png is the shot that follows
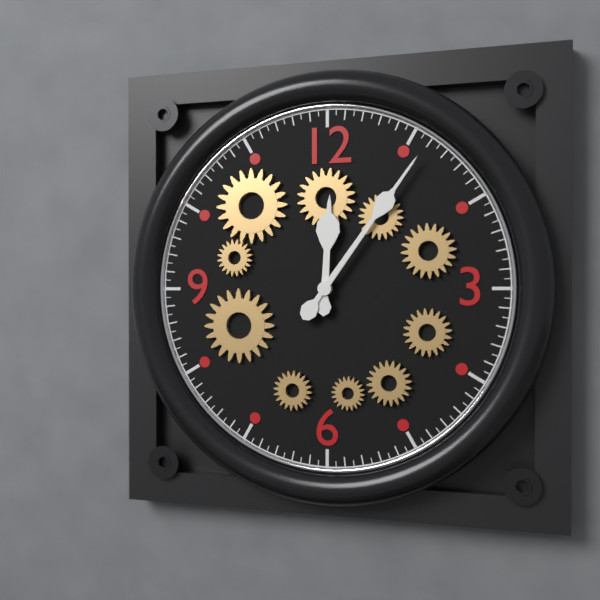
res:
12:06
